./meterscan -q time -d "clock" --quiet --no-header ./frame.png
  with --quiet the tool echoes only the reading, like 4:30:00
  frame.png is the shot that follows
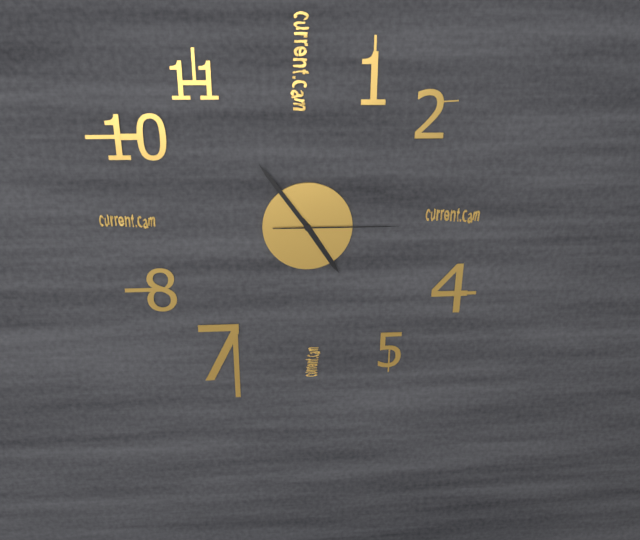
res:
4:54:15
